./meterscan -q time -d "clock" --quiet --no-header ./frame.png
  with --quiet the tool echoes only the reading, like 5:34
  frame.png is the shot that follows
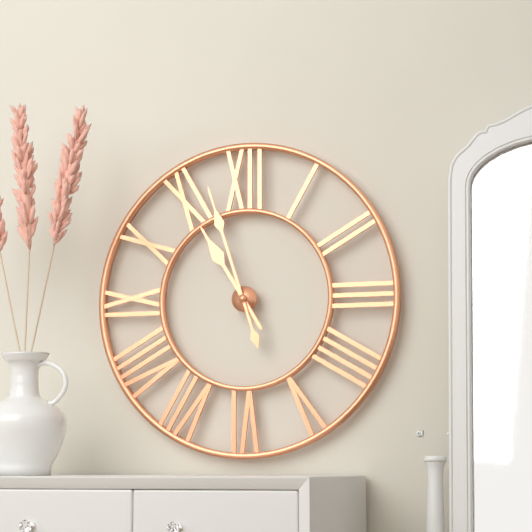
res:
10:57
